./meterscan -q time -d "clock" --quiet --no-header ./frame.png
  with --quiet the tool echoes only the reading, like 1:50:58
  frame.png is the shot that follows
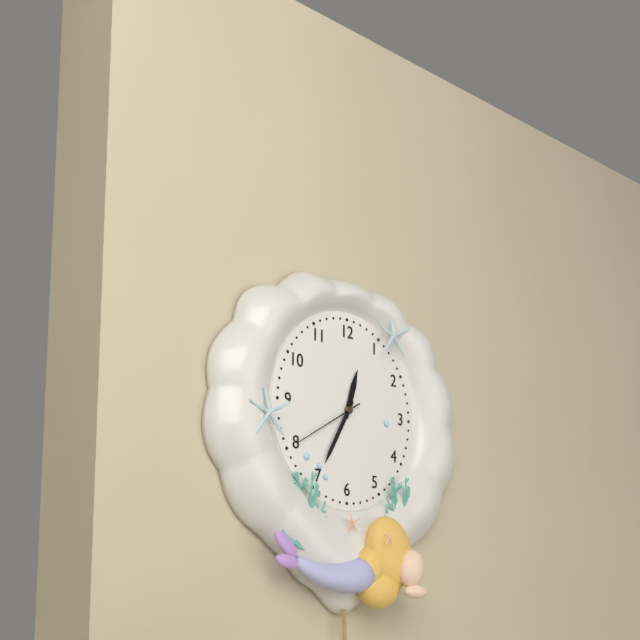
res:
12:35:40
